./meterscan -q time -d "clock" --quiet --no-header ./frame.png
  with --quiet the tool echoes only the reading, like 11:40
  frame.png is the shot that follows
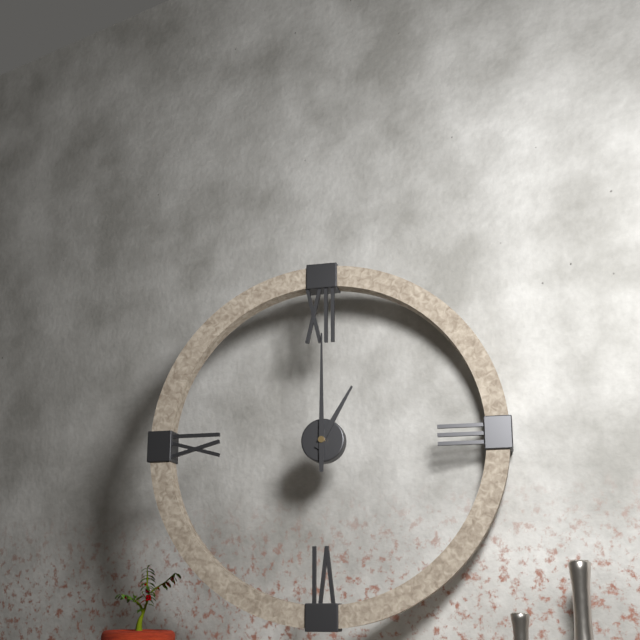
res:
1:00
